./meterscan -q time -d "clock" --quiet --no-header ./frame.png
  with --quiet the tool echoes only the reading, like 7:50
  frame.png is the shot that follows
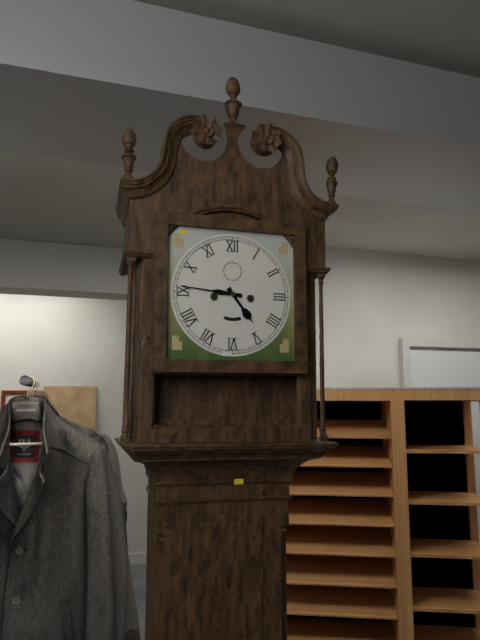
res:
4:46
